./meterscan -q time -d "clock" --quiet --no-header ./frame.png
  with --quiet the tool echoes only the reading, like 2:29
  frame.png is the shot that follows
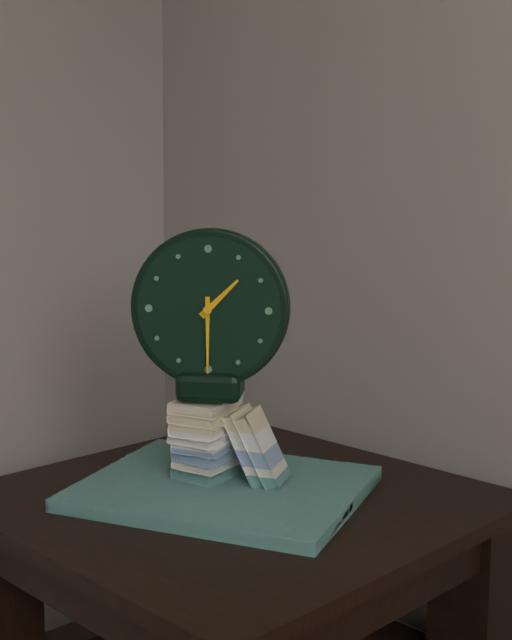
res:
1:30
